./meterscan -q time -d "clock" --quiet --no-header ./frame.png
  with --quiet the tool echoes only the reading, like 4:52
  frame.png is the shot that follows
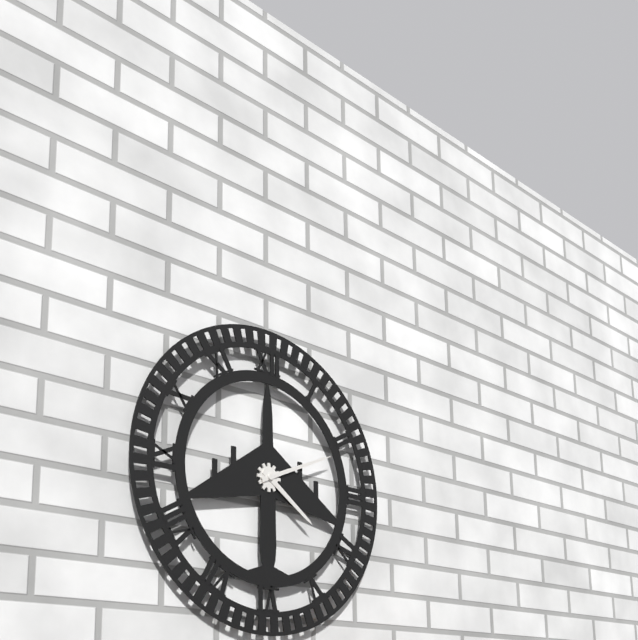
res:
4:11
